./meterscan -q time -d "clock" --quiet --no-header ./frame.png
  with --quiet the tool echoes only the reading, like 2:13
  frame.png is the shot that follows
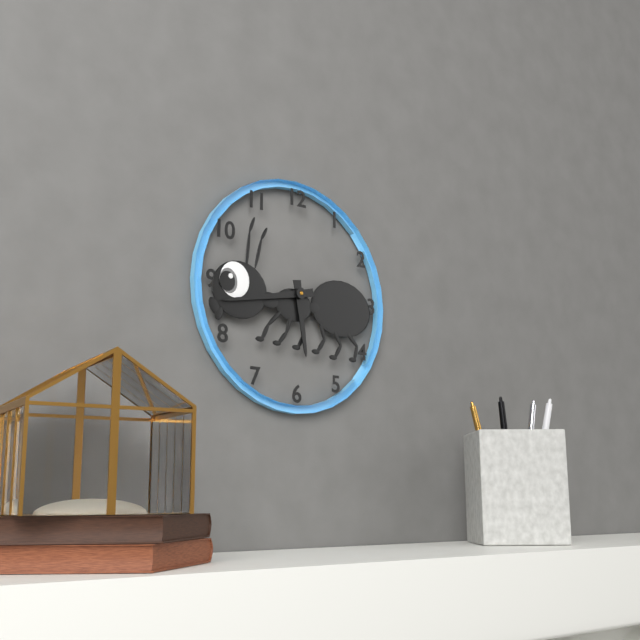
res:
5:43
